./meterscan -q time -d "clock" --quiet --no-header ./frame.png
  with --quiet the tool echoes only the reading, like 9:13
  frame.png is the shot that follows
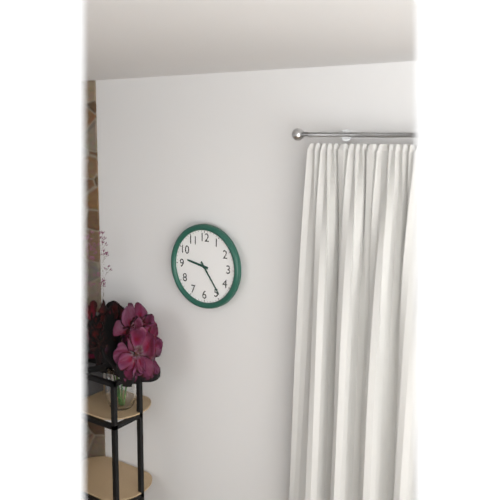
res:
9:24
